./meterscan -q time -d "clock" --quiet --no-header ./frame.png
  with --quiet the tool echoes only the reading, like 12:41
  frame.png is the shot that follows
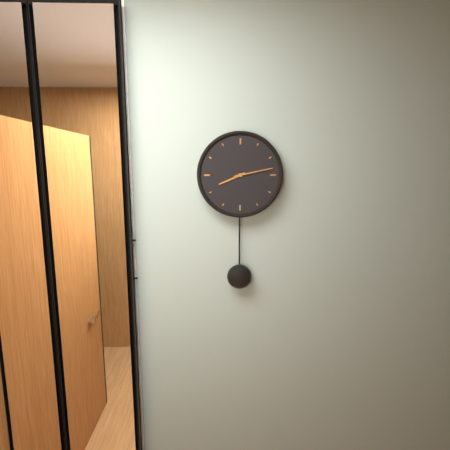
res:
8:13
